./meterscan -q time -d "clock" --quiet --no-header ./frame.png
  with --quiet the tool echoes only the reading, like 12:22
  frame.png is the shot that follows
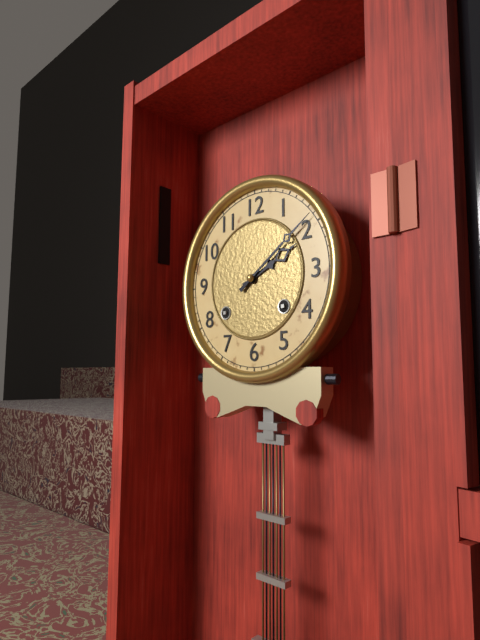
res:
2:09
